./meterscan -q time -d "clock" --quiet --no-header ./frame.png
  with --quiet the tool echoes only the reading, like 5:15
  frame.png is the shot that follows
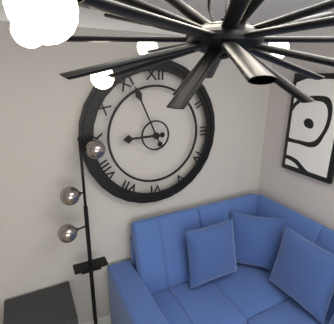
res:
8:56
